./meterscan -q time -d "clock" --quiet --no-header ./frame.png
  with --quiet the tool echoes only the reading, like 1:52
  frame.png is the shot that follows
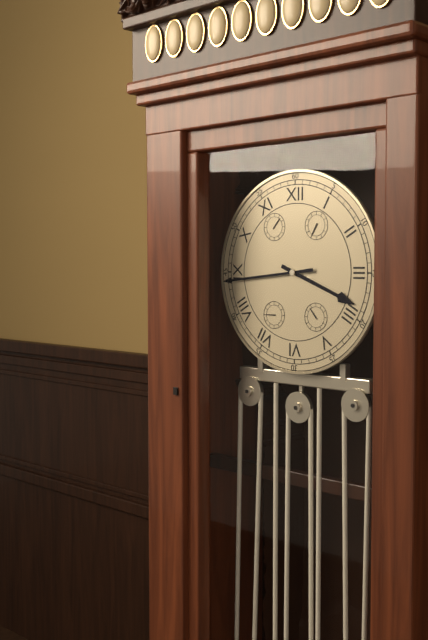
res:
3:44
